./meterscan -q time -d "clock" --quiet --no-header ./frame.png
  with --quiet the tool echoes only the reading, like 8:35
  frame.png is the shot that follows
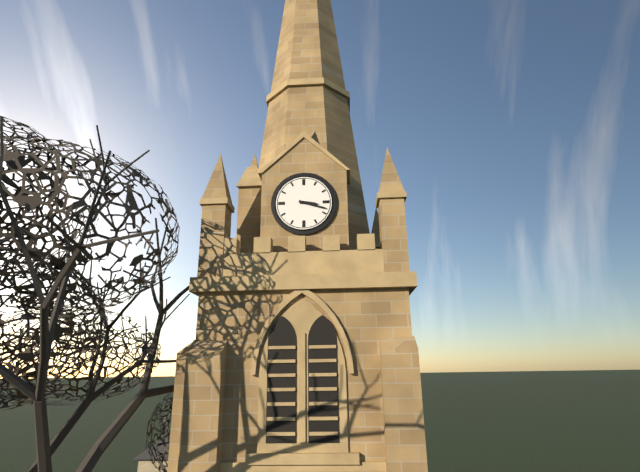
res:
3:18
